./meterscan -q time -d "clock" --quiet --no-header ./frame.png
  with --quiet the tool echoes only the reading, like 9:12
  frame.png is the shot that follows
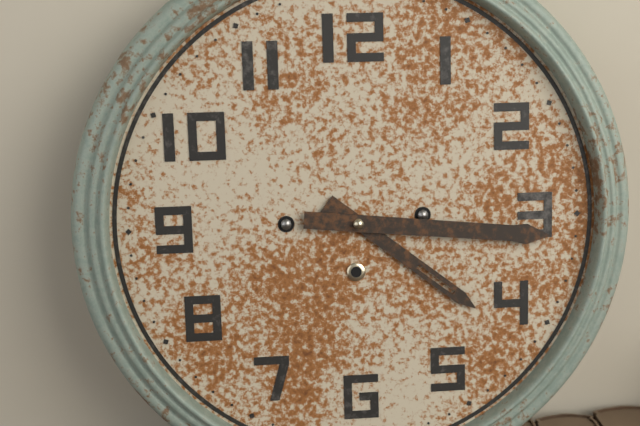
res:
4:16
